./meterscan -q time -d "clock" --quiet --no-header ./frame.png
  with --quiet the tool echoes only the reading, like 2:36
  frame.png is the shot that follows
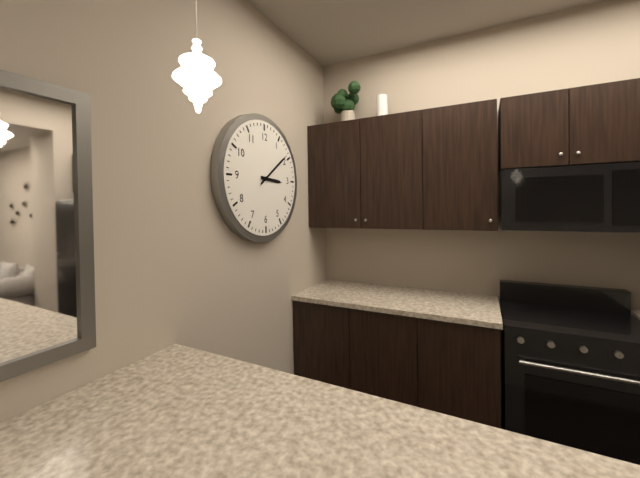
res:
3:09
